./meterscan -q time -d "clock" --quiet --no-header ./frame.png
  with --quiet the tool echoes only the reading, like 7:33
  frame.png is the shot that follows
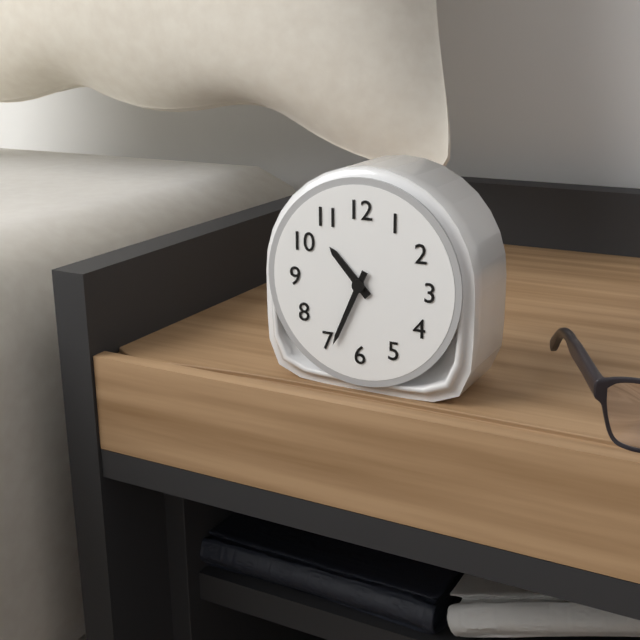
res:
10:34
